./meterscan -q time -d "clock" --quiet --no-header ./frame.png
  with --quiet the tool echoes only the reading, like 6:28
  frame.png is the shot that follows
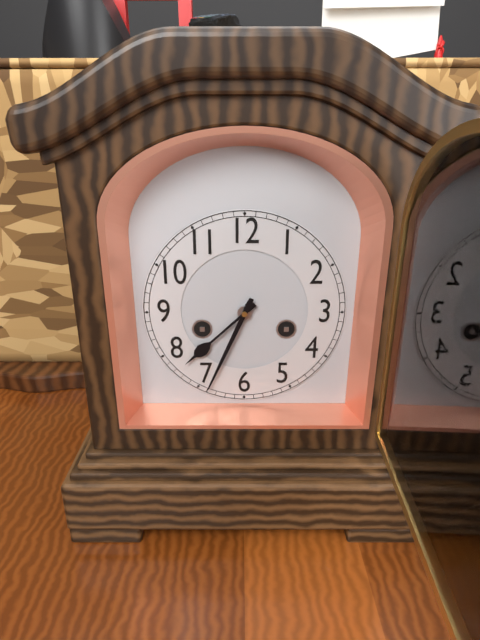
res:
7:34
